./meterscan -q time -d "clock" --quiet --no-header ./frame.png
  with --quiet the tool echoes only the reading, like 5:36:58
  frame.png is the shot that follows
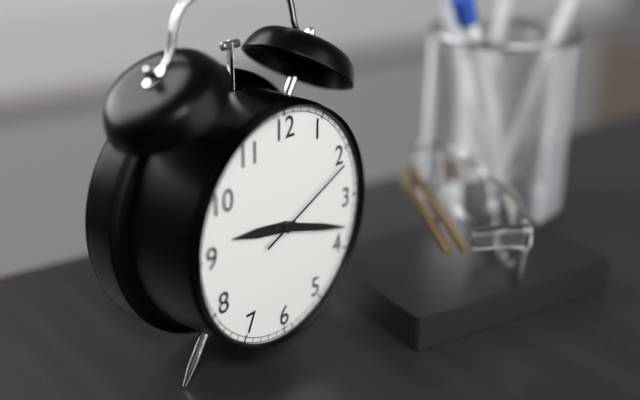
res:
9:18:11
